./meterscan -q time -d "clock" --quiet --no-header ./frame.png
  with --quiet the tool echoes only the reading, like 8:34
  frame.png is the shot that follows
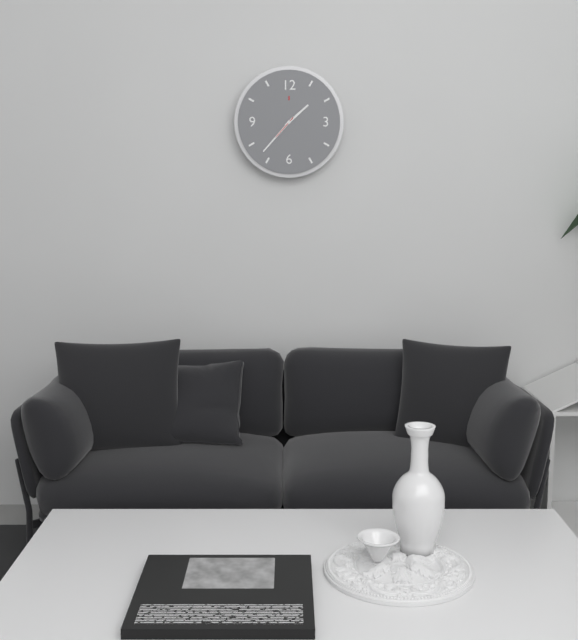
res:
1:37
